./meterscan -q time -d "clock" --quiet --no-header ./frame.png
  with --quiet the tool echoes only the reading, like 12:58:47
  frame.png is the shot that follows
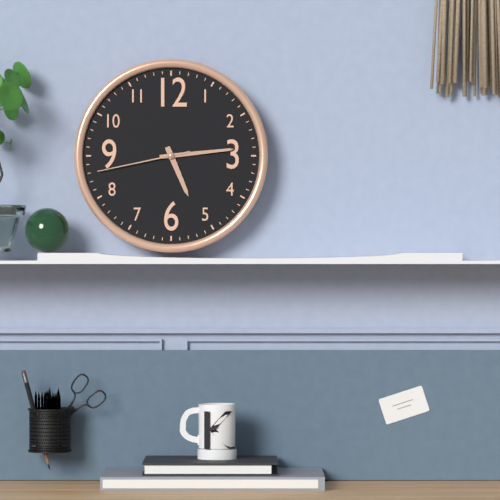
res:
5:14:43
